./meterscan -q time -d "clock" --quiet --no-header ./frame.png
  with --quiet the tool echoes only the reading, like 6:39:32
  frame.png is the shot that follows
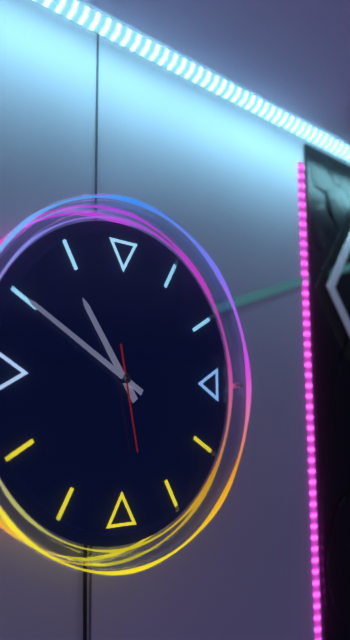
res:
10:50:28
